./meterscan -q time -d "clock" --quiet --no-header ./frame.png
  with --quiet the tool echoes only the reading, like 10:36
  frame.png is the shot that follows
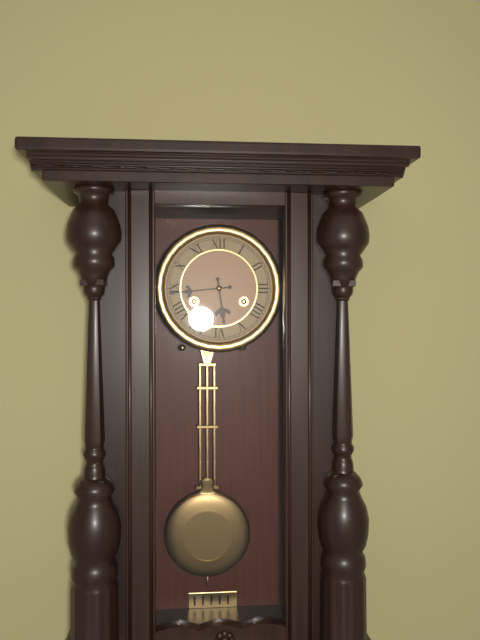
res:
5:44
